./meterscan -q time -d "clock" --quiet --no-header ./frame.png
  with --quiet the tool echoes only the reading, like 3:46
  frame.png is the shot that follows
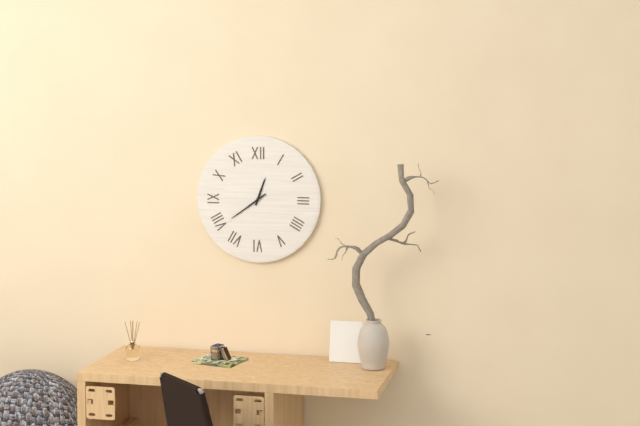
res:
12:39
